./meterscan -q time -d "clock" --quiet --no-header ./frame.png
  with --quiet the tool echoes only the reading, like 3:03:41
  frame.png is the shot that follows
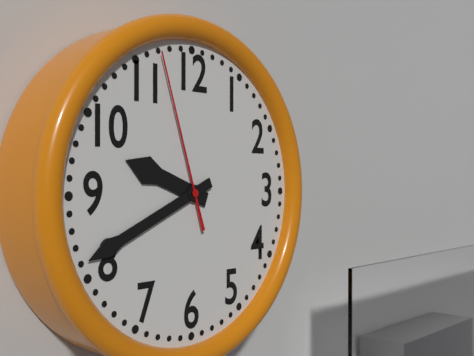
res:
9:41:57
